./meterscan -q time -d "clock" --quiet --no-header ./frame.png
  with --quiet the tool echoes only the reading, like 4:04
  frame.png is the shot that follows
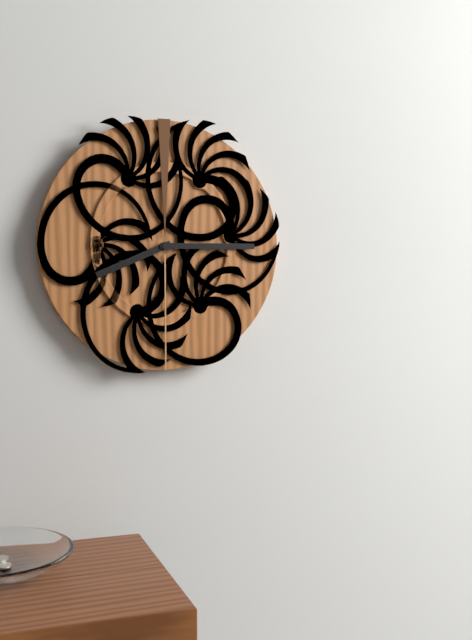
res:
8:15
